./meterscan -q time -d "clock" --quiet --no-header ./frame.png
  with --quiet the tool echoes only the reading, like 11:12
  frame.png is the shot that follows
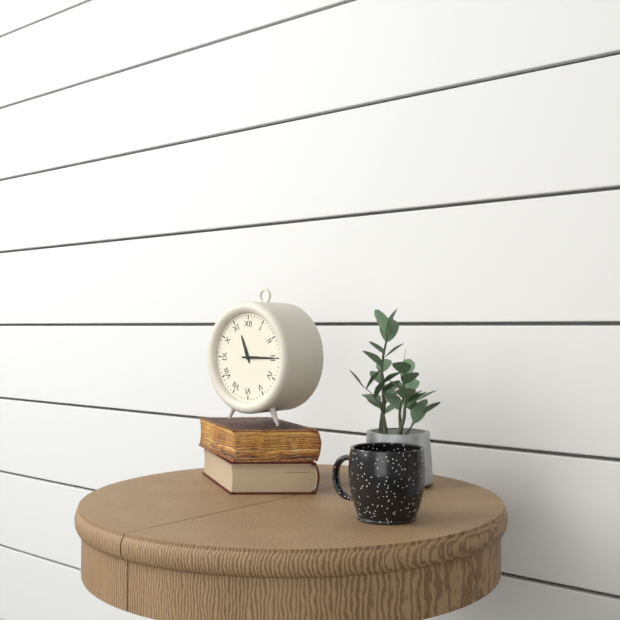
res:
11:15
